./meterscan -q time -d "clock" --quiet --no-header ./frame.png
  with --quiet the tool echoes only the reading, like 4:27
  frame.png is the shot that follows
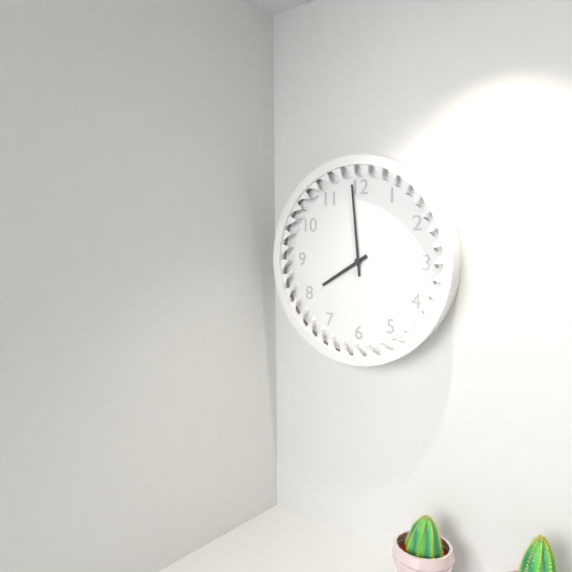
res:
7:59
